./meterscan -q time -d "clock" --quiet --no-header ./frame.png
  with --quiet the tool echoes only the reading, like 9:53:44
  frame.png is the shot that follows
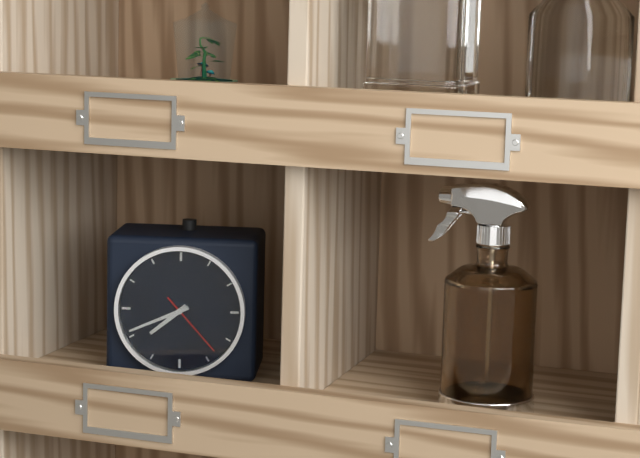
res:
7:41:23
